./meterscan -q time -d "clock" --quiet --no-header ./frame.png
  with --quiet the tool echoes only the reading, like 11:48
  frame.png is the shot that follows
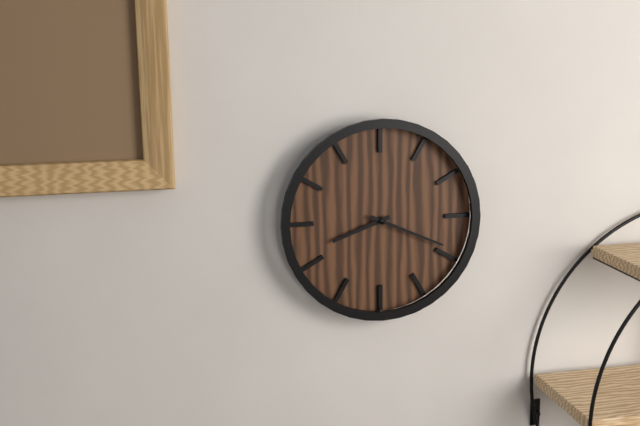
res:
8:19
